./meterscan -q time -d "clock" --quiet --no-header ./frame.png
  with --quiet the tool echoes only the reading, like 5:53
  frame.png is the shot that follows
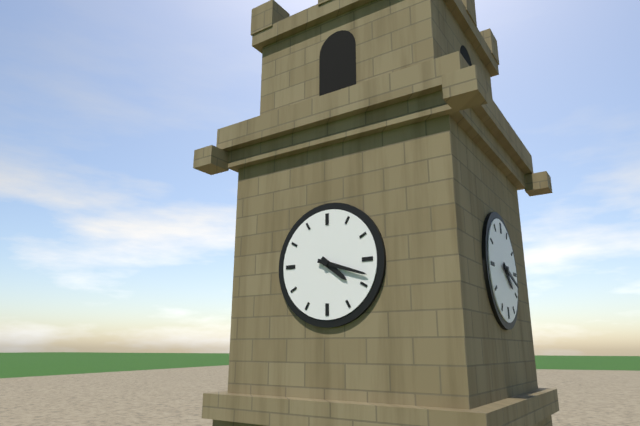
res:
4:18
